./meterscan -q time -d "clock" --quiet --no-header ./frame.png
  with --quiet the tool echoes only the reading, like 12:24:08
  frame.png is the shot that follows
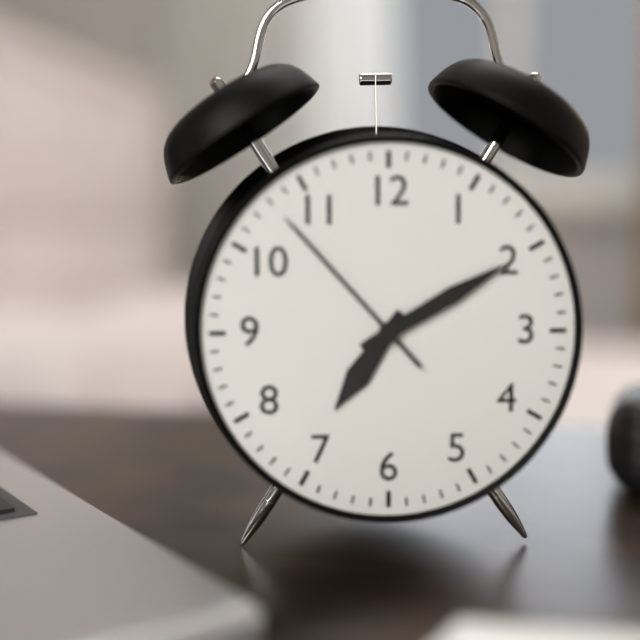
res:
7:10:53
